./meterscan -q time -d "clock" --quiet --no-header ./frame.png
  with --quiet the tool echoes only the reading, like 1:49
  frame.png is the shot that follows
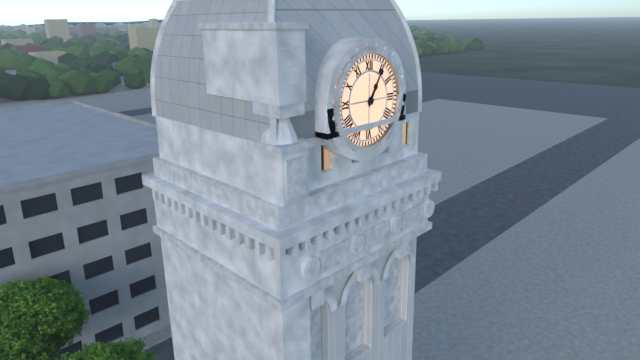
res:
1:05
